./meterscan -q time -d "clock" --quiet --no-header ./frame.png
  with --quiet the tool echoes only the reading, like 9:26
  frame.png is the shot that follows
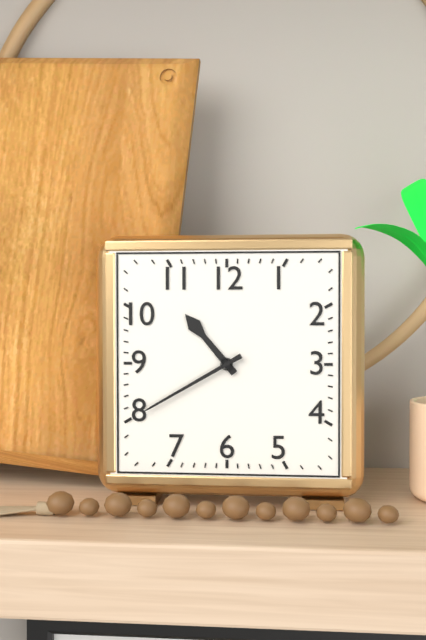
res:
10:40
